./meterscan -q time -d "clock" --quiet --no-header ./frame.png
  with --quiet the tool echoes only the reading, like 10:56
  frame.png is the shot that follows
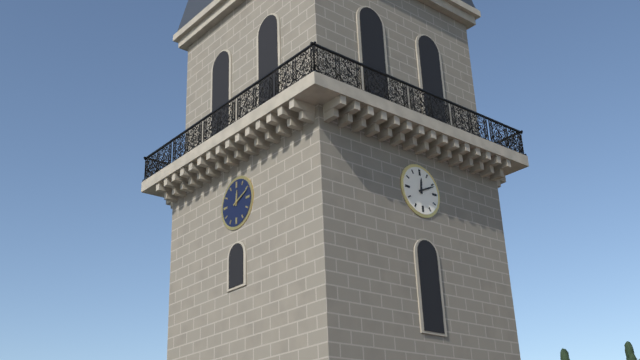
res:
12:11
